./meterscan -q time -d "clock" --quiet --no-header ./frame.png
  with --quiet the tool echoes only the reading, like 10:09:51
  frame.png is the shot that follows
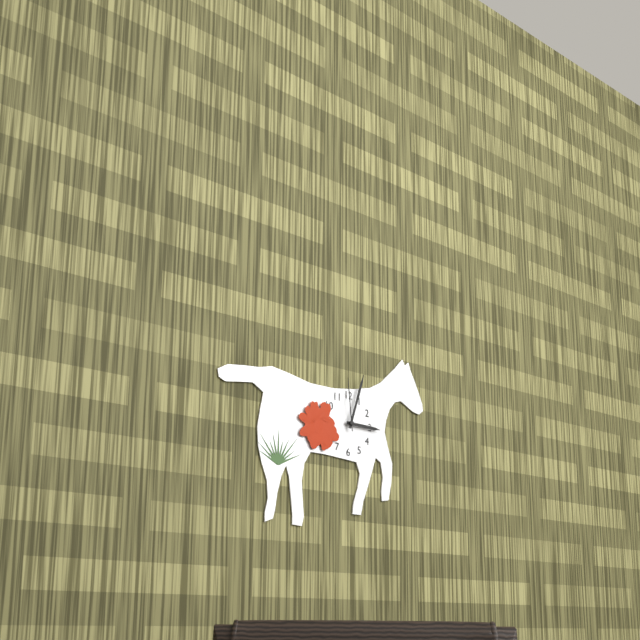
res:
3:03:59
